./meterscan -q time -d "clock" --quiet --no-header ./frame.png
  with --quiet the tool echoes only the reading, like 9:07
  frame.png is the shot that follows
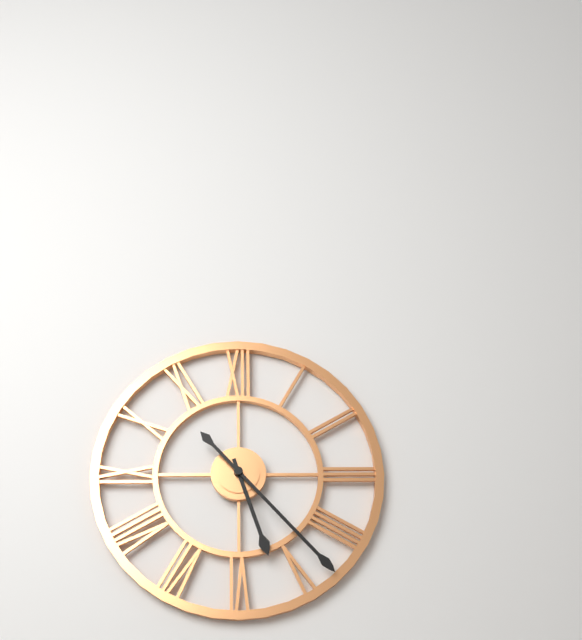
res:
5:23
